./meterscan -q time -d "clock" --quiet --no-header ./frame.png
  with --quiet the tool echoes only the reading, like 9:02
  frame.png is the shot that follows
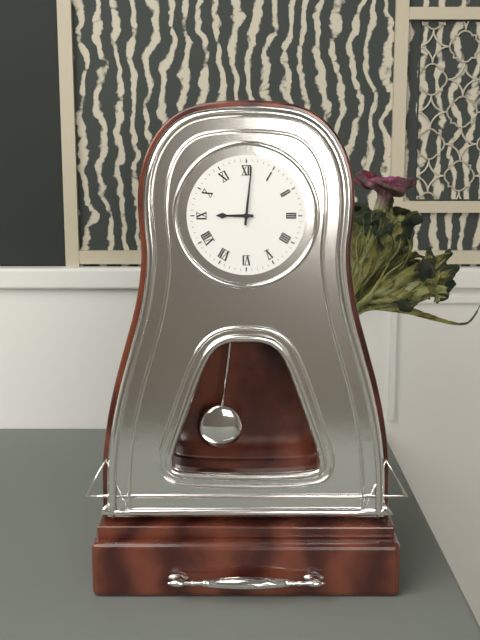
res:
9:01
